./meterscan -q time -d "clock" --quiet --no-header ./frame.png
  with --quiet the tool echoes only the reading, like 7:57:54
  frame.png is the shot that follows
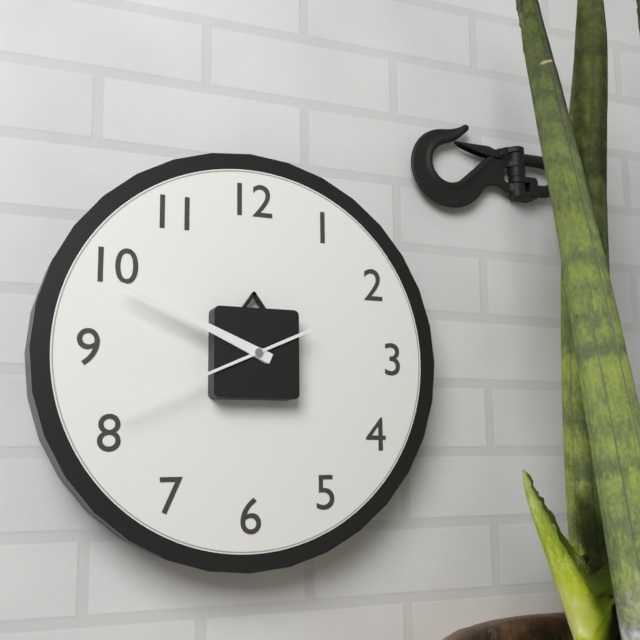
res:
9:49:41
